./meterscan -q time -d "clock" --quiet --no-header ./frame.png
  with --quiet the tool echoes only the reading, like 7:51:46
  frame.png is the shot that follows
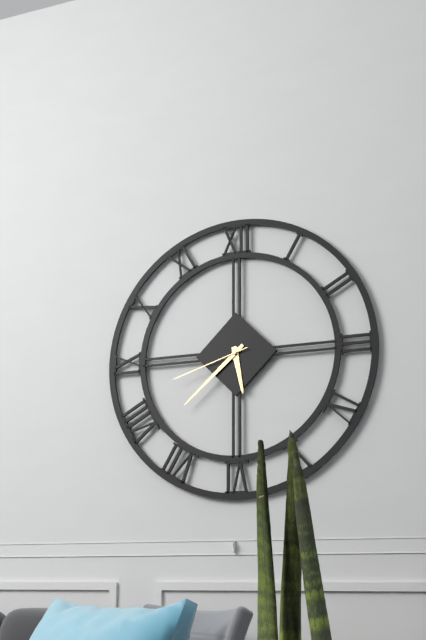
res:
5:38:42
